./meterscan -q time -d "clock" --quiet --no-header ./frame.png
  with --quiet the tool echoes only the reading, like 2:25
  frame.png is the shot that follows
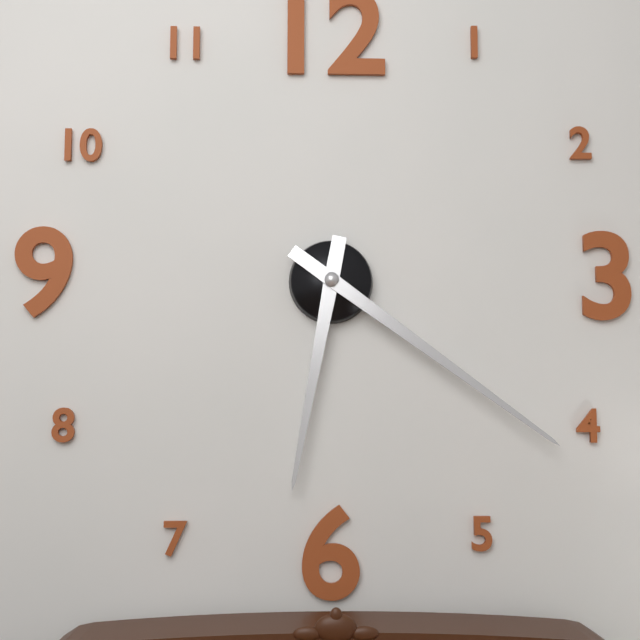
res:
6:21
